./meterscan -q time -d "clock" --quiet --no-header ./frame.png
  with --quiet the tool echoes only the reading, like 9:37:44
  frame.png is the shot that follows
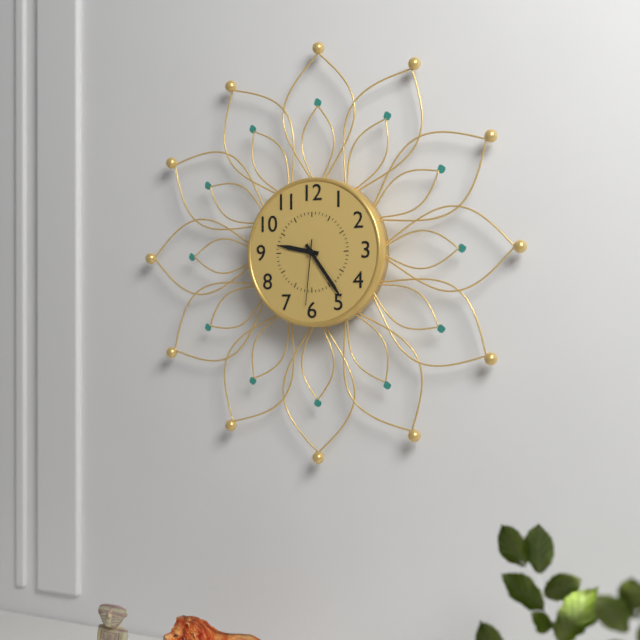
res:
9:24:31
